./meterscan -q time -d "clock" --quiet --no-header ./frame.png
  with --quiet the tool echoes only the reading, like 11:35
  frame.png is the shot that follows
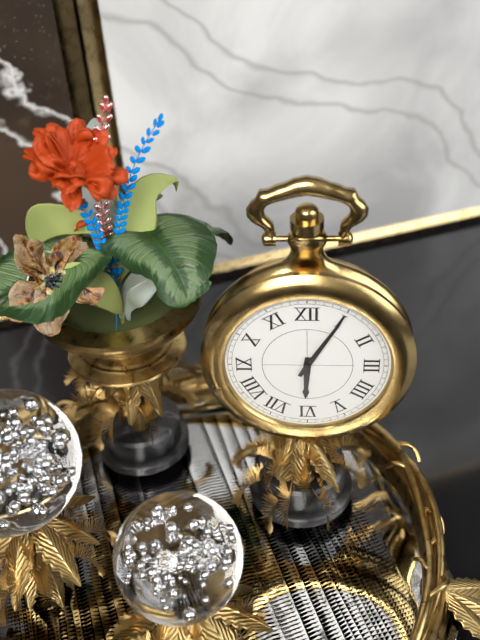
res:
6:05
